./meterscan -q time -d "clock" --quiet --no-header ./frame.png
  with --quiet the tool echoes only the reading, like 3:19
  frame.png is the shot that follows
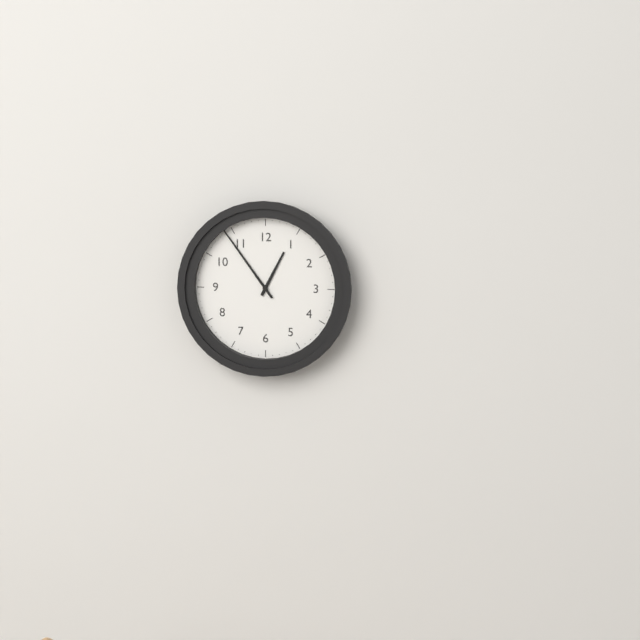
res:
12:54
